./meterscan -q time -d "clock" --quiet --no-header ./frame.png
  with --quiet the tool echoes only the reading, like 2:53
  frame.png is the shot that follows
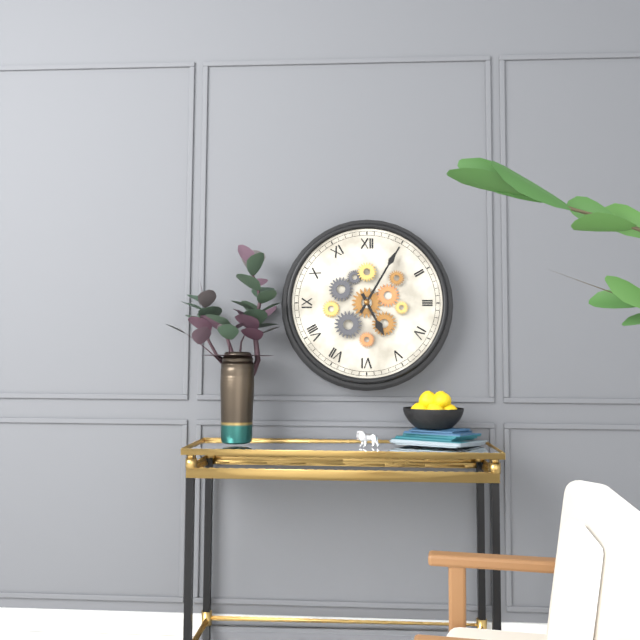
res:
5:05
